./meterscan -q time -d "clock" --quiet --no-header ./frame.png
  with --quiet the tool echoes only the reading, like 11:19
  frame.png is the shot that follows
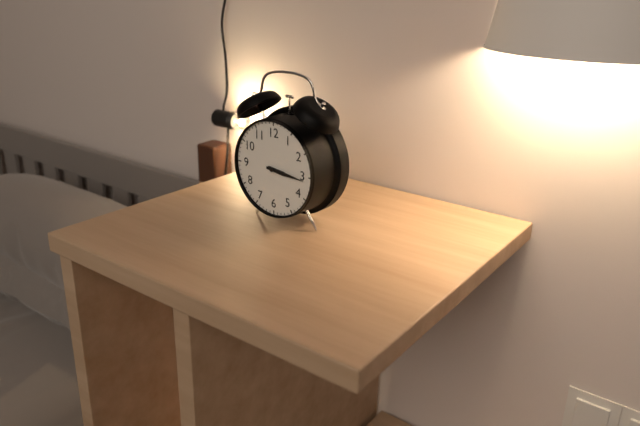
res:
3:16
